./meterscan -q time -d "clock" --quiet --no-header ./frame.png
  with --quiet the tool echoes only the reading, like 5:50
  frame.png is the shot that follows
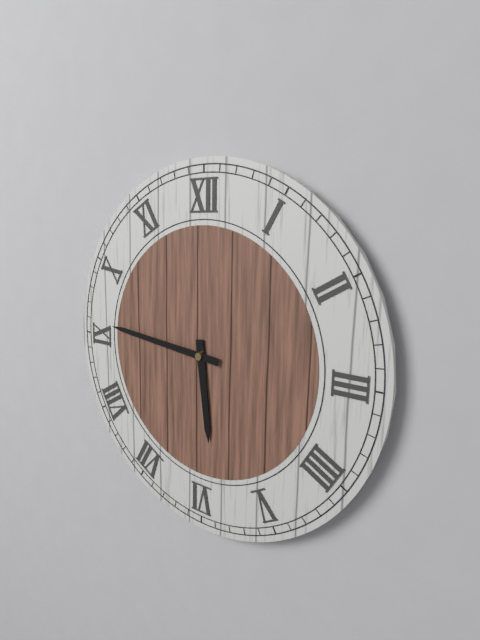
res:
5:46
